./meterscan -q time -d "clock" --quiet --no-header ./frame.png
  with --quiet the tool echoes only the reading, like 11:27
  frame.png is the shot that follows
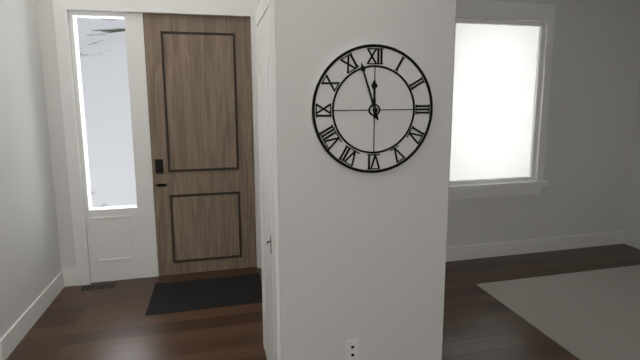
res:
11:57
